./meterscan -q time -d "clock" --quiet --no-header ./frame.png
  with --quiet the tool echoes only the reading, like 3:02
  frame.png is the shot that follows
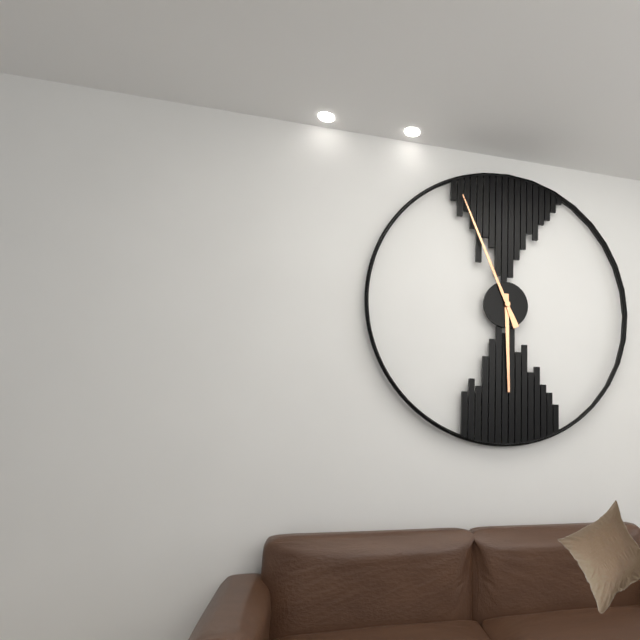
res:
5:56
